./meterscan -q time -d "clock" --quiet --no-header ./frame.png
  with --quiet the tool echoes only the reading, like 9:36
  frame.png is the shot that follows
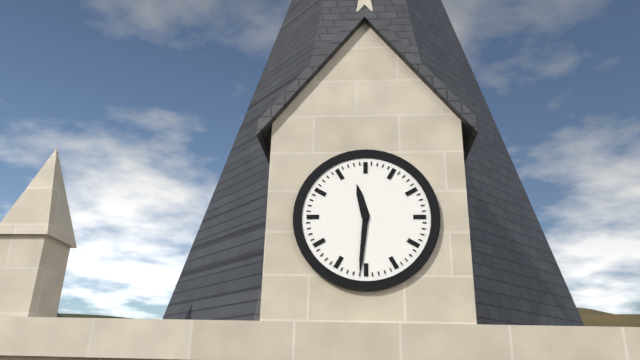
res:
11:31
